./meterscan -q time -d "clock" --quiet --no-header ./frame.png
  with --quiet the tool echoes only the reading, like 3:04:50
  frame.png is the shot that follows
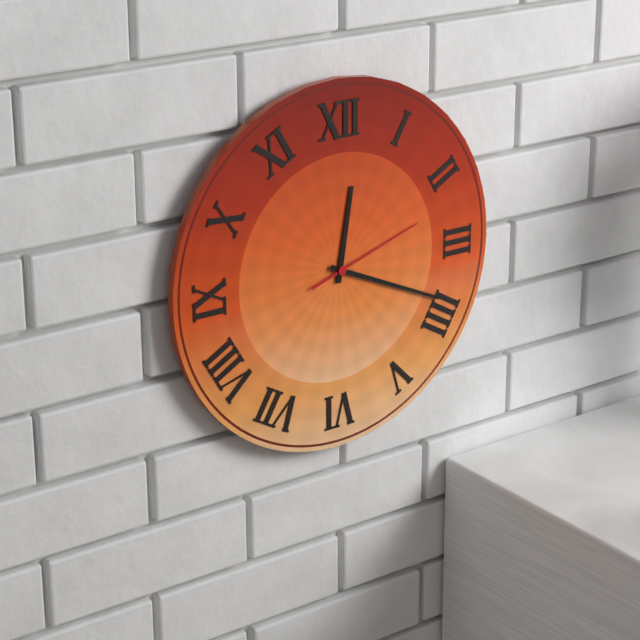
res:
12:19:12
